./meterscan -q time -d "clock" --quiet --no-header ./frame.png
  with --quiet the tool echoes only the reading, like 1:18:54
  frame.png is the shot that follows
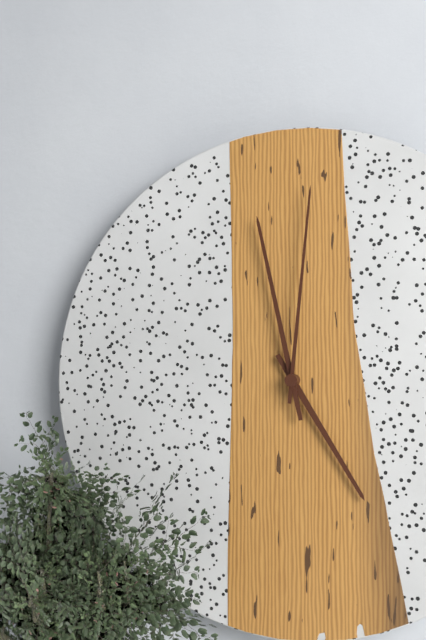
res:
4:58:01
